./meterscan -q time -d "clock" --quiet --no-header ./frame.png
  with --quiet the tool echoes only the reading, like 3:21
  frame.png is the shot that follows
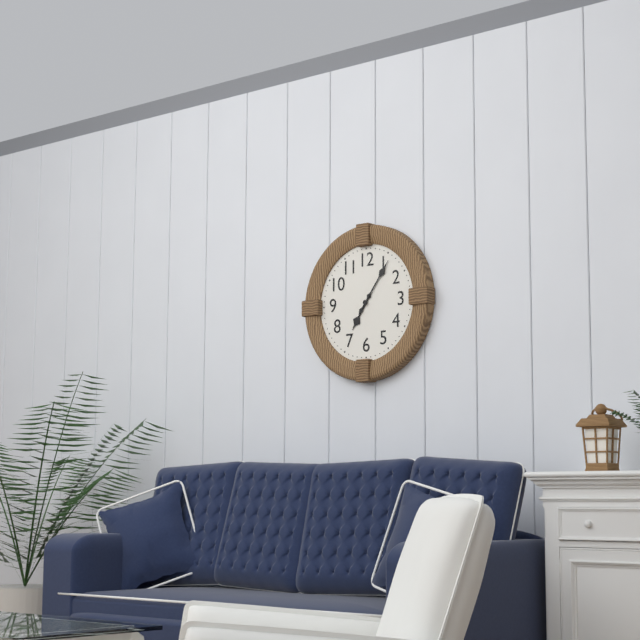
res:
7:06
